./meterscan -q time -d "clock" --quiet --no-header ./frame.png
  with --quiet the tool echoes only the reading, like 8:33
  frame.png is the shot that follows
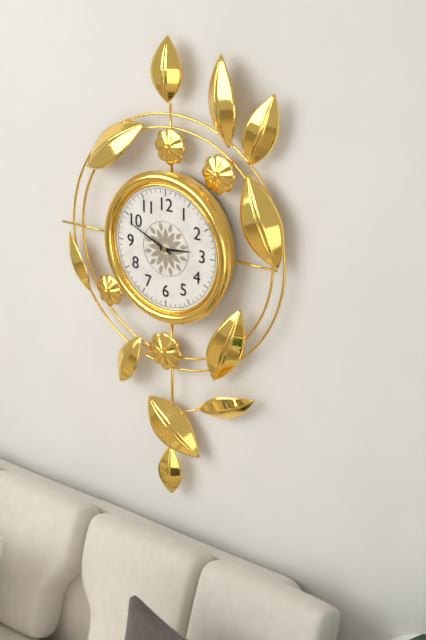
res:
2:49
